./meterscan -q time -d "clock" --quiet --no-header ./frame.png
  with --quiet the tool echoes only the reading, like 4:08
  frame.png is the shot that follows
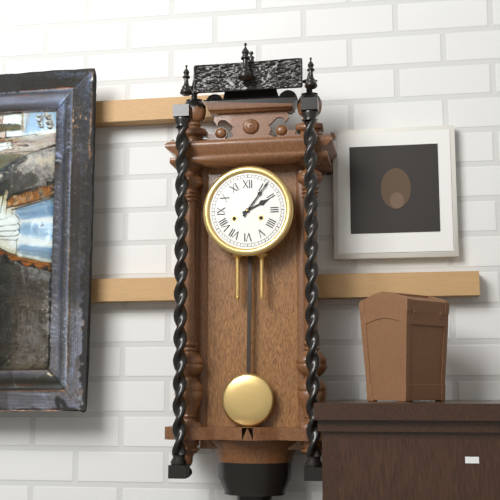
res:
2:06
